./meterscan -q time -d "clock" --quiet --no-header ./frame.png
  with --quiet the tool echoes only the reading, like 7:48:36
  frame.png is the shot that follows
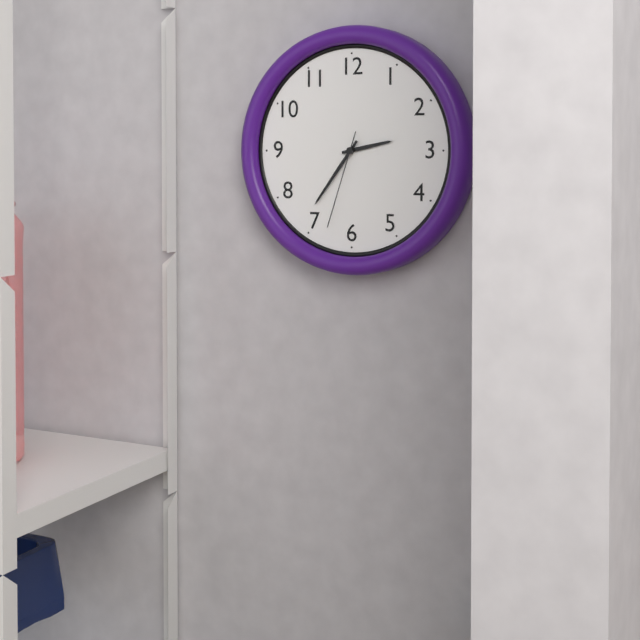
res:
2:36:33
